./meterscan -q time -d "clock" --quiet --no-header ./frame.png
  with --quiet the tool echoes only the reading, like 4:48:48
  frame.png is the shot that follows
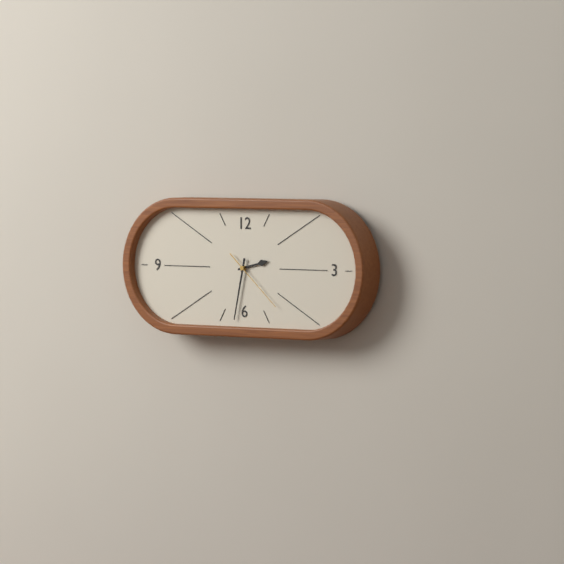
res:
2:32:22
